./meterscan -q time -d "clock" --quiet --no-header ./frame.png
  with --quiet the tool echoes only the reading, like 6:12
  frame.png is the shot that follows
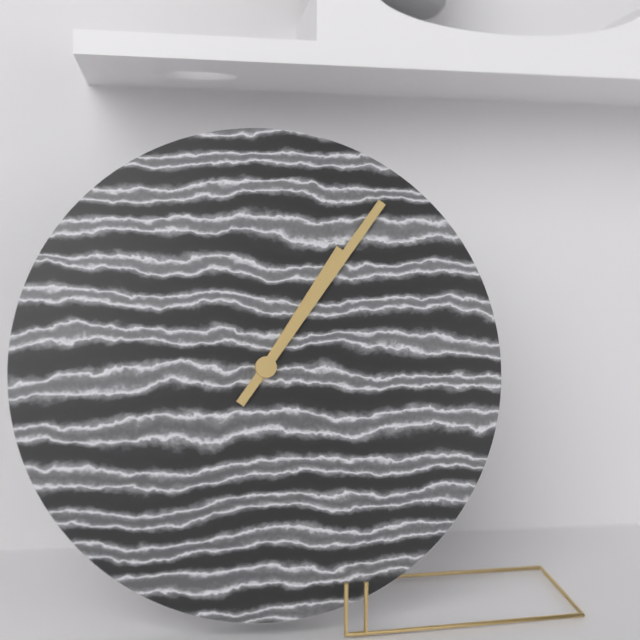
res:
1:06
